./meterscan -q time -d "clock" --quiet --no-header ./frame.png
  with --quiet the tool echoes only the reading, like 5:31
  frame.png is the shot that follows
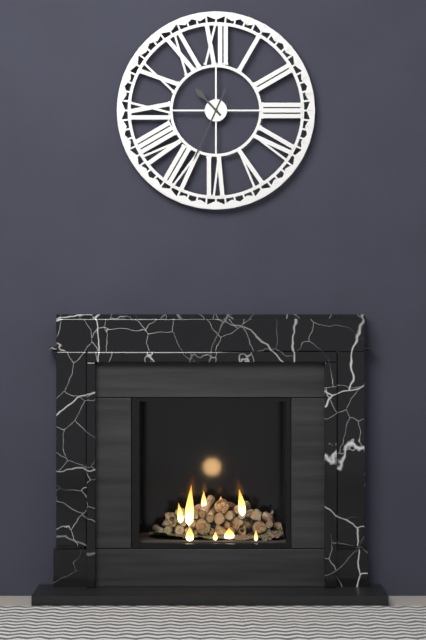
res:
10:34
